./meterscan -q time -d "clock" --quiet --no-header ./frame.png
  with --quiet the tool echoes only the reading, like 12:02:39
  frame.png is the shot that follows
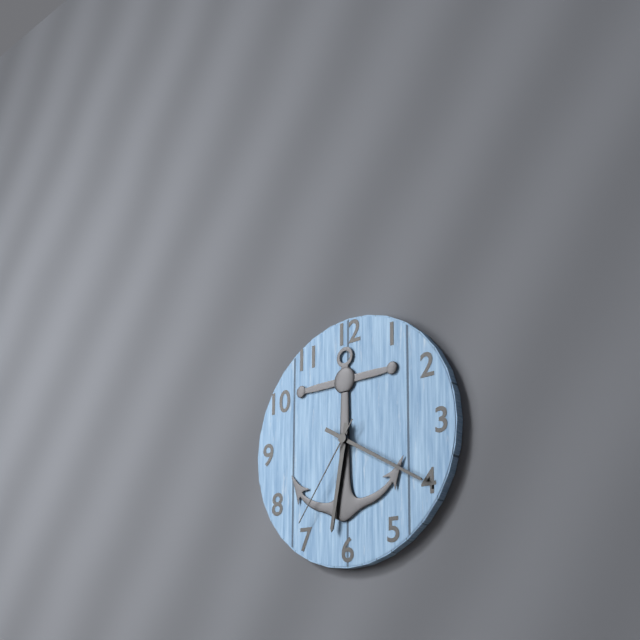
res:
6:20:36
